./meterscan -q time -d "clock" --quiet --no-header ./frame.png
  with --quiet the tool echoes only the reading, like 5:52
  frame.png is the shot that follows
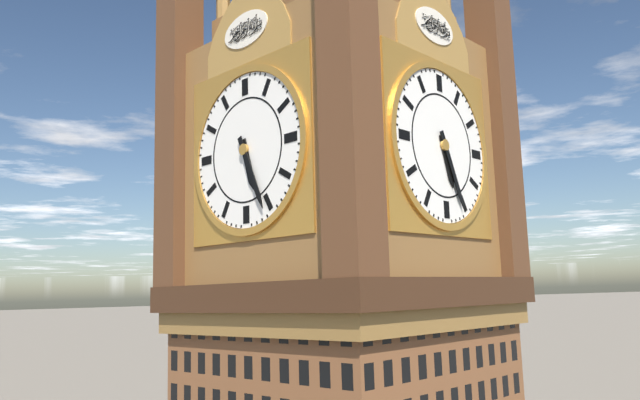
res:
5:26
